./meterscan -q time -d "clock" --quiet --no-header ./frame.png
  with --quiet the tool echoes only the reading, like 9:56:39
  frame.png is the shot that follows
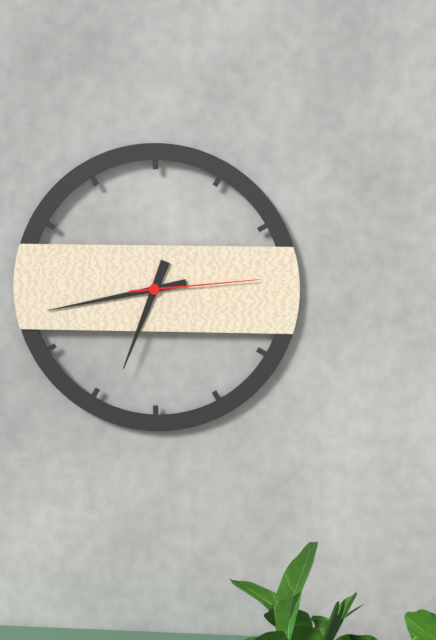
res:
6:43:14
